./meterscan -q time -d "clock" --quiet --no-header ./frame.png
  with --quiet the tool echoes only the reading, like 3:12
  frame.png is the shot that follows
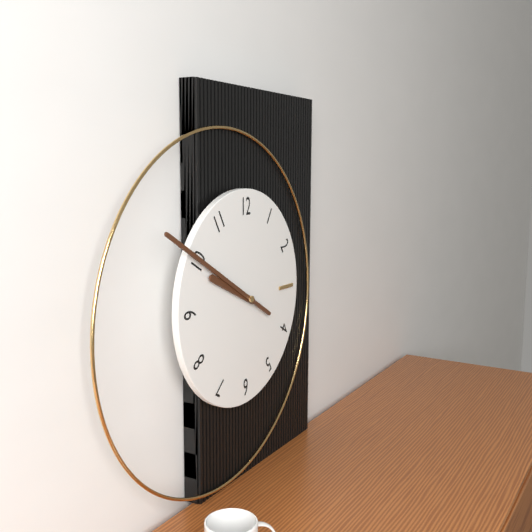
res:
9:50
